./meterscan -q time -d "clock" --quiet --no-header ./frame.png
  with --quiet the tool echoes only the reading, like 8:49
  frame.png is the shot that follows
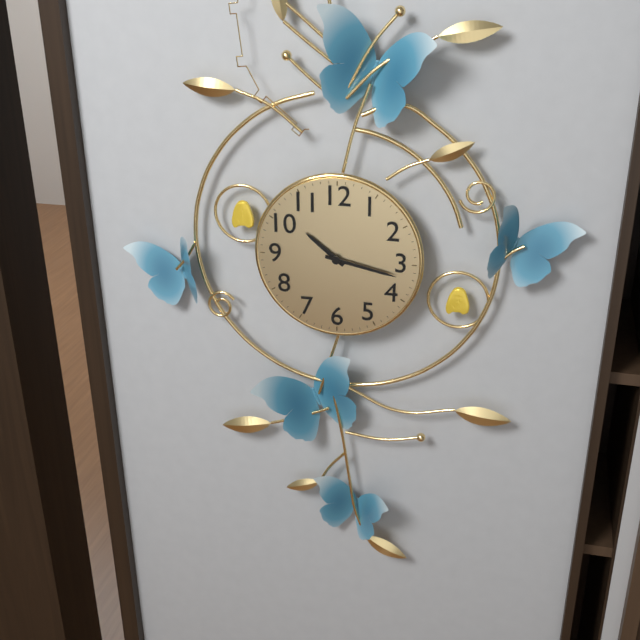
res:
10:17
